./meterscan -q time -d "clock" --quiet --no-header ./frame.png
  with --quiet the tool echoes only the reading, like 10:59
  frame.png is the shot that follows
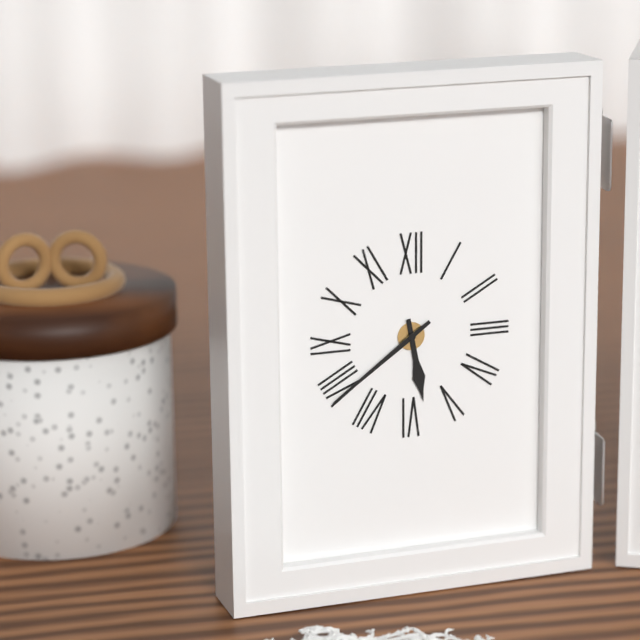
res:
5:39
